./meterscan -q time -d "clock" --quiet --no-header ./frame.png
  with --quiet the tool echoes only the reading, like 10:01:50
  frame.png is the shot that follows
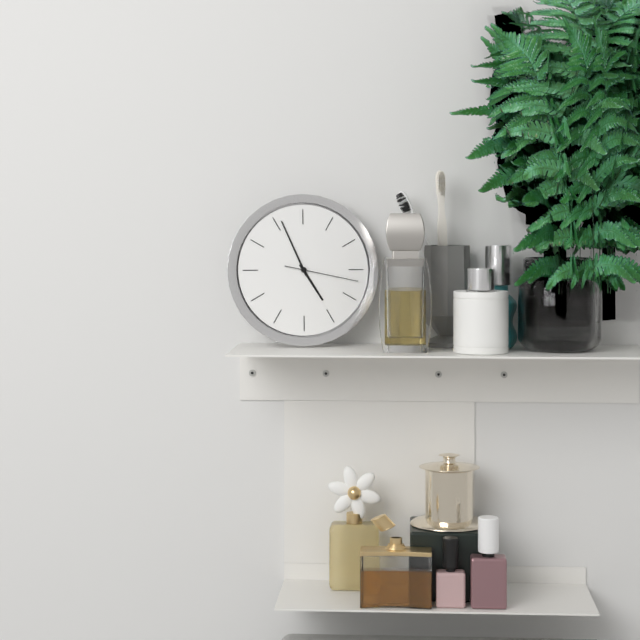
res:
4:56:17
